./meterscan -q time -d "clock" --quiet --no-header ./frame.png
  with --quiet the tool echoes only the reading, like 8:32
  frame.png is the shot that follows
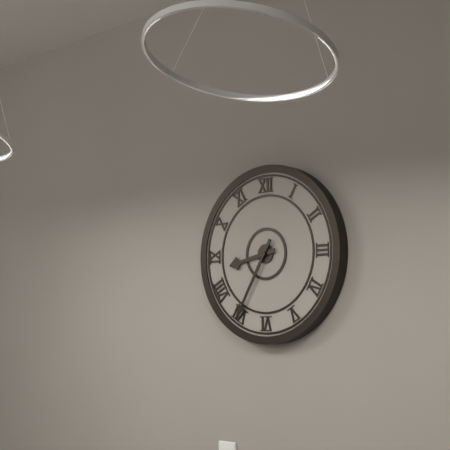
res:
8:35
